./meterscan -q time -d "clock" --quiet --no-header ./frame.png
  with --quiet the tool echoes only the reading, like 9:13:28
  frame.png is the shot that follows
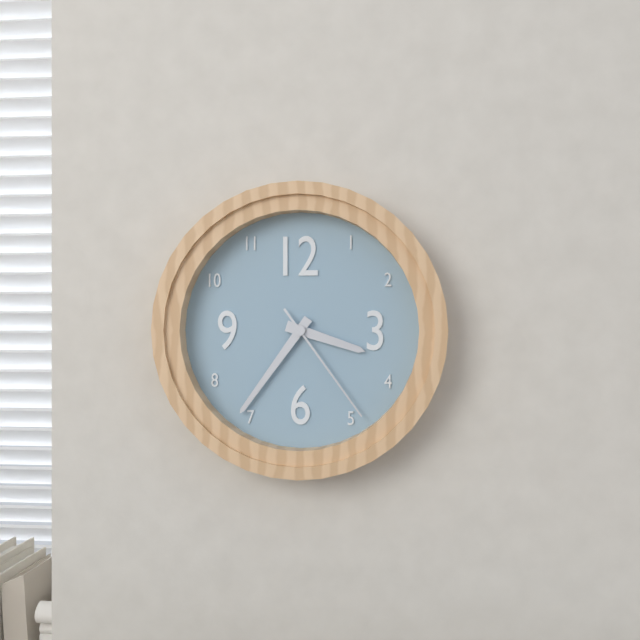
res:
3:36:24
